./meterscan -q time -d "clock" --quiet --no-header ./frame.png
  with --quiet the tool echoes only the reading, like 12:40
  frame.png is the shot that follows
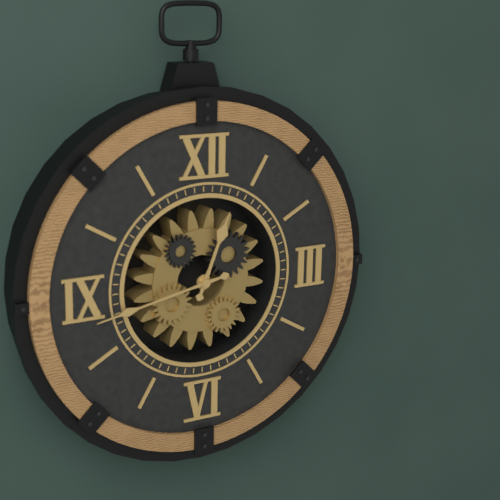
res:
12:43
